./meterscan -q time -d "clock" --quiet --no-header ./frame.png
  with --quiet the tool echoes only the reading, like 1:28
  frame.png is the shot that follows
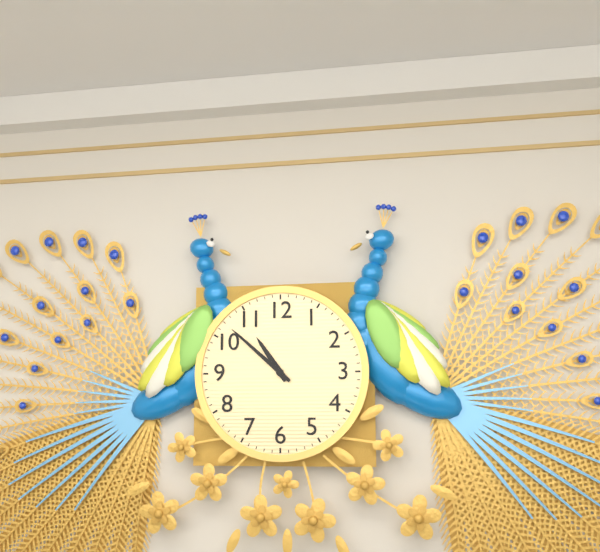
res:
10:52
